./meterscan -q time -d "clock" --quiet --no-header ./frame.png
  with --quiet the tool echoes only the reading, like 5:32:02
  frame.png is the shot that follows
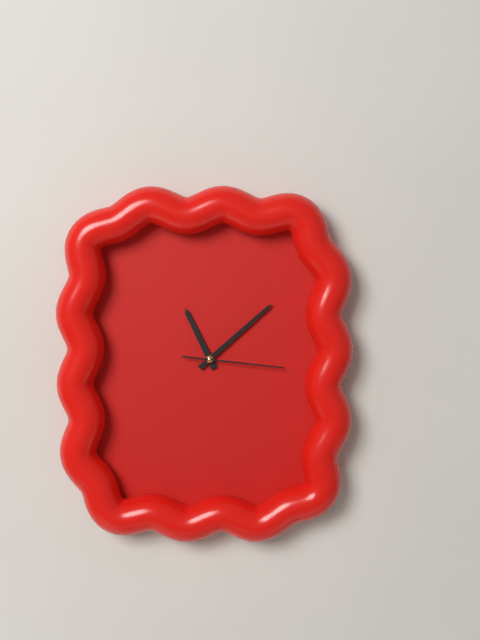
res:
11:08:16
